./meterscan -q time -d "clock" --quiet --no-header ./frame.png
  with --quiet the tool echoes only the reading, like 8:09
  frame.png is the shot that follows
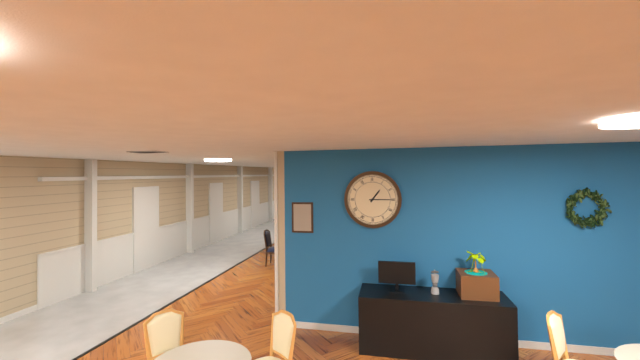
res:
1:15
